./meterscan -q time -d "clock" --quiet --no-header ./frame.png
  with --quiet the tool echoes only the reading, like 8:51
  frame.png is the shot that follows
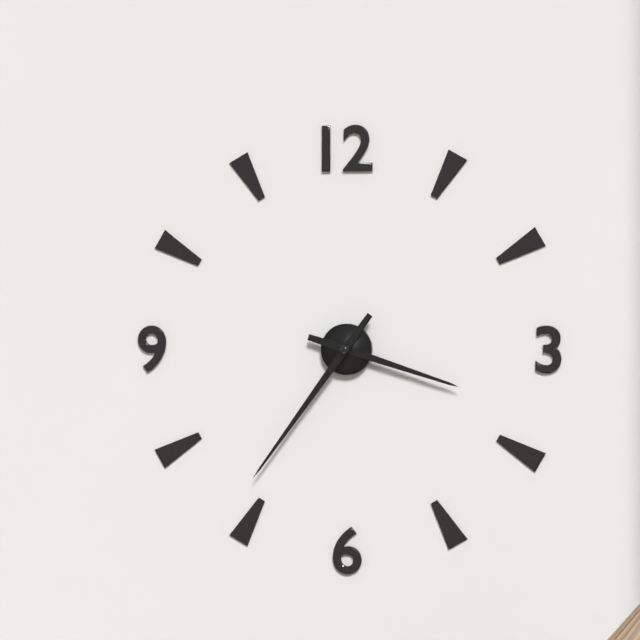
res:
3:36
